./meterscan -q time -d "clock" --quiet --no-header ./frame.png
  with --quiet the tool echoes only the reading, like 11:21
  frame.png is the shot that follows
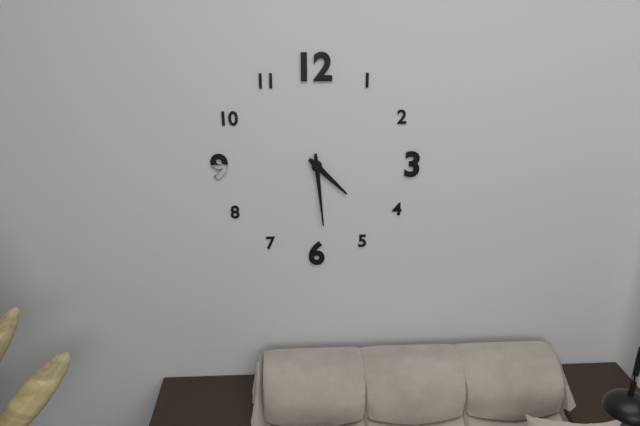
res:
4:29
